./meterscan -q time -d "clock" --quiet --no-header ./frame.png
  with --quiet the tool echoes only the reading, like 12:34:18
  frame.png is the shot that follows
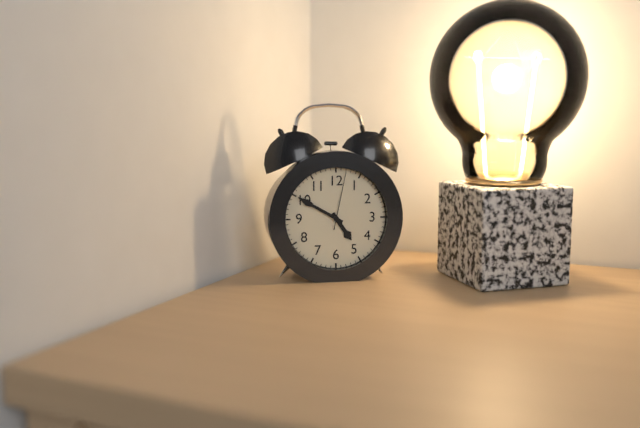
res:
4:50:02
